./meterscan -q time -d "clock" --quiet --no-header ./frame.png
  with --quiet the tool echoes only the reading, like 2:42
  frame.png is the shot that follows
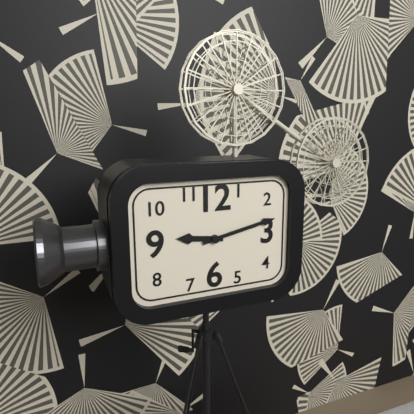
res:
9:13
